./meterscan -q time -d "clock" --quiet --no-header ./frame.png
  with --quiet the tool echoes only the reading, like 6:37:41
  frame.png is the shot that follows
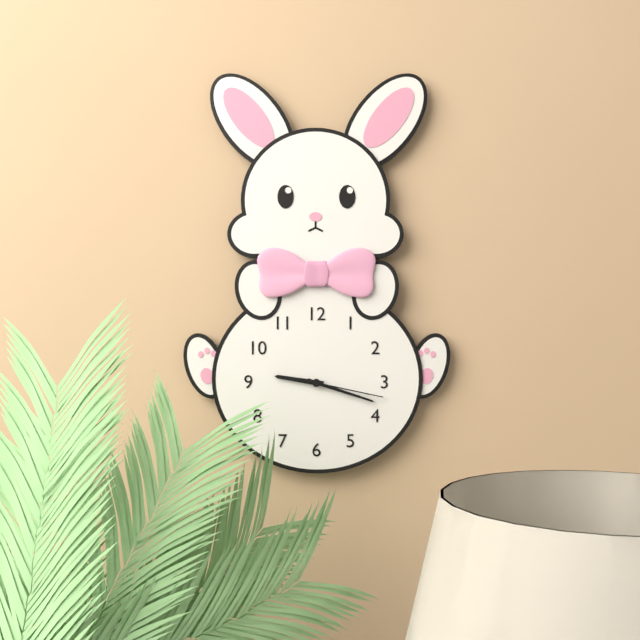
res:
9:18:17
